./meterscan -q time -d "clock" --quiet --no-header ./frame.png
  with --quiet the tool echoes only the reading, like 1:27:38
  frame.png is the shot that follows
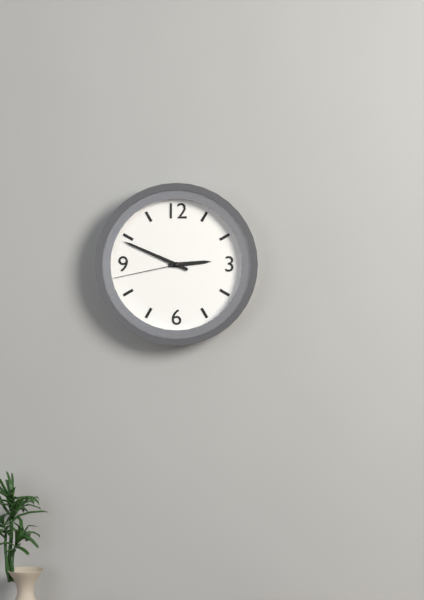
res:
2:49:43
